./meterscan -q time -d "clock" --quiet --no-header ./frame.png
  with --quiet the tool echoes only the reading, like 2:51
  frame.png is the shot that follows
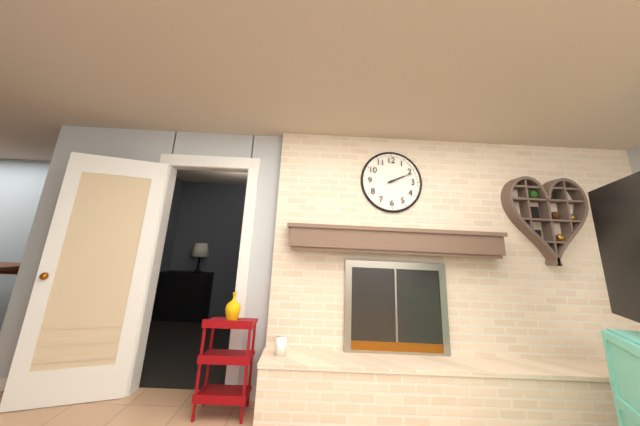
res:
2:11
